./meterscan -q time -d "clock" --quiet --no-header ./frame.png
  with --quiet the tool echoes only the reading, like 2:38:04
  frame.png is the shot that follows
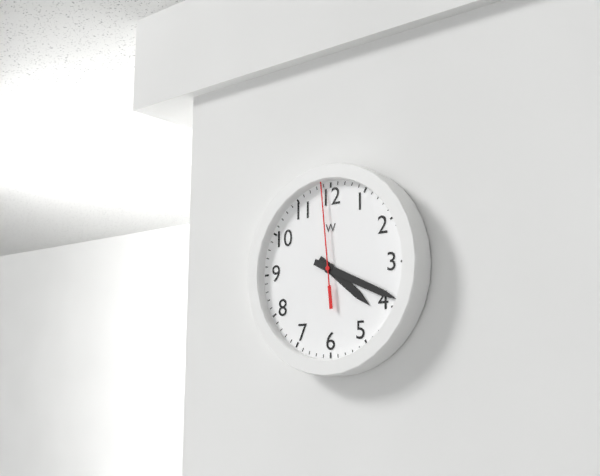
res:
4:19:59
